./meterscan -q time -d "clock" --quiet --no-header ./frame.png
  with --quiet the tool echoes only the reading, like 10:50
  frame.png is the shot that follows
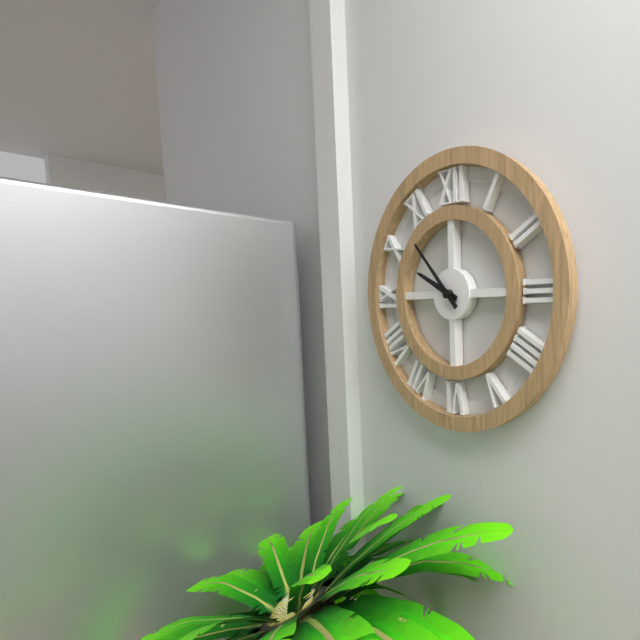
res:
9:53
